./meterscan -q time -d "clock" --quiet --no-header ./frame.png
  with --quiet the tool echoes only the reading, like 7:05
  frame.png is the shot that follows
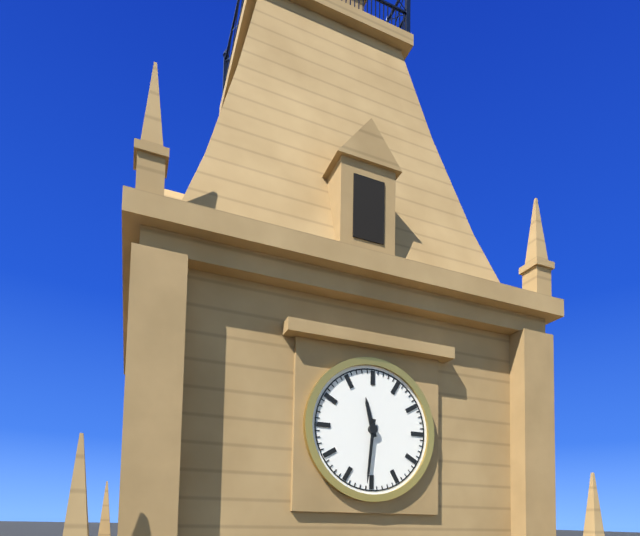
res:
11:31
